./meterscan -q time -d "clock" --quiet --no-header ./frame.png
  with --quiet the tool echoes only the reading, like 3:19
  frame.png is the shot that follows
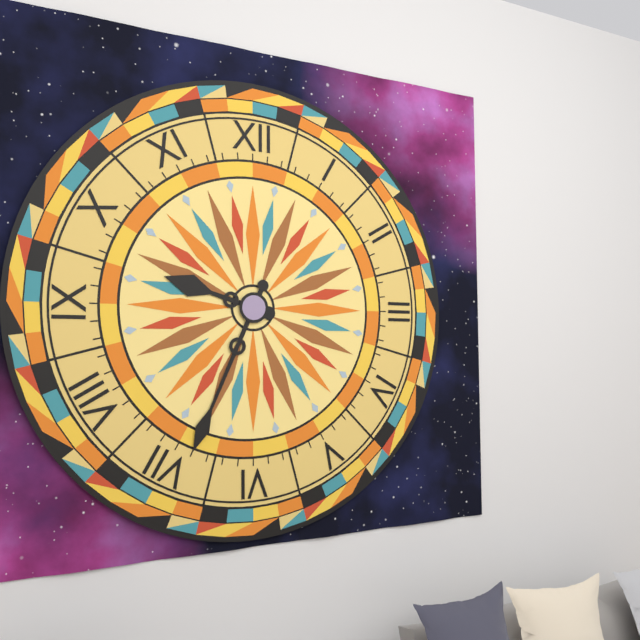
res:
9:34
